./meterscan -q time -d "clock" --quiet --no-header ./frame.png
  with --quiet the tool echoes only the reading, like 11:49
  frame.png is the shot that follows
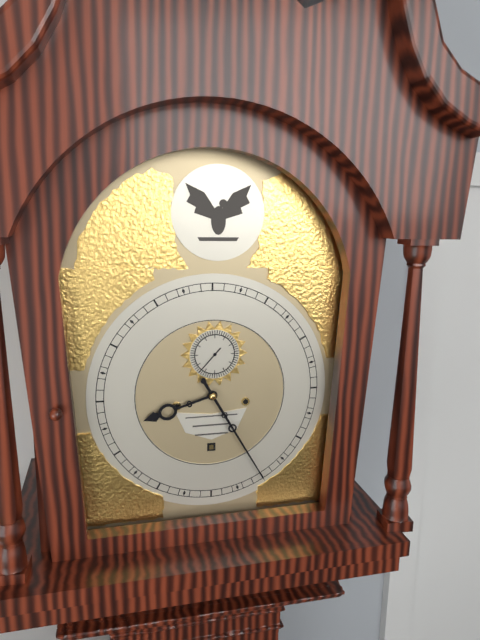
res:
8:25
